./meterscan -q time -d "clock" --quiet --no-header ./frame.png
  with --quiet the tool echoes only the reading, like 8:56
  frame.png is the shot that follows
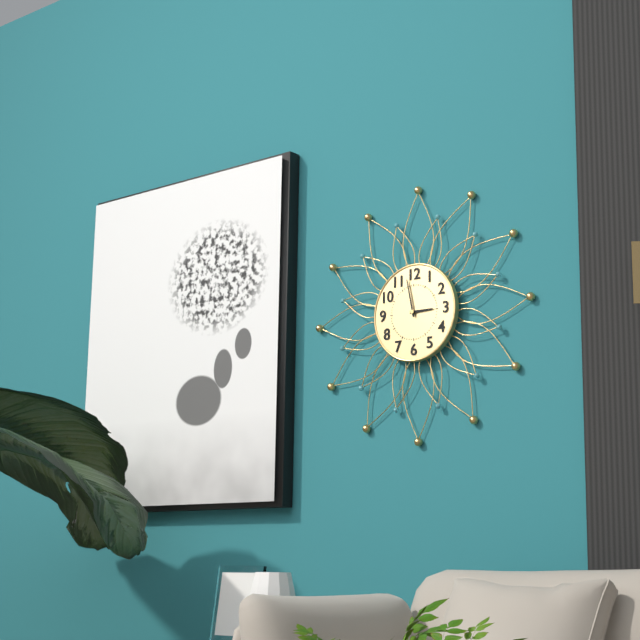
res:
2:58
